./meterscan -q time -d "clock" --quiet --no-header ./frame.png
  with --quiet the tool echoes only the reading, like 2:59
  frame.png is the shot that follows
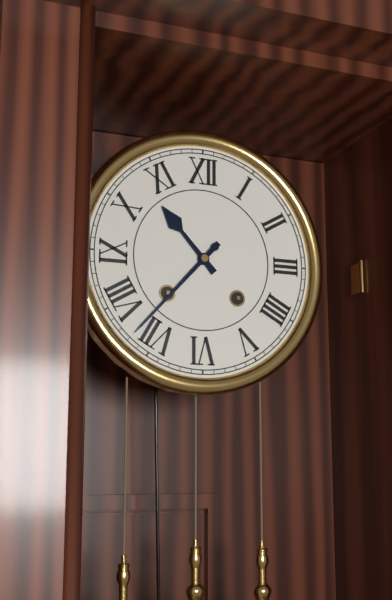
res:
10:37
